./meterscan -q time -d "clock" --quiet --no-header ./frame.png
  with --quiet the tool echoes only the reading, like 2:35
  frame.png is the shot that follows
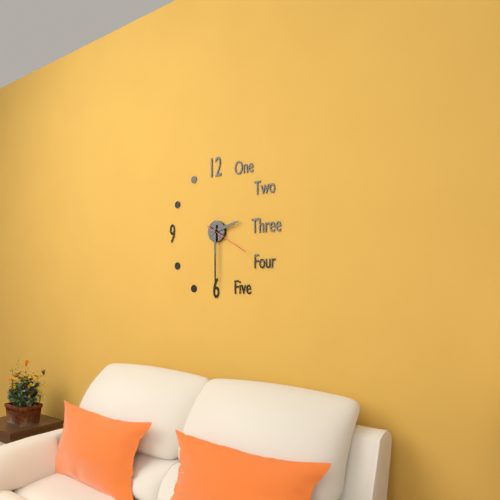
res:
2:30
